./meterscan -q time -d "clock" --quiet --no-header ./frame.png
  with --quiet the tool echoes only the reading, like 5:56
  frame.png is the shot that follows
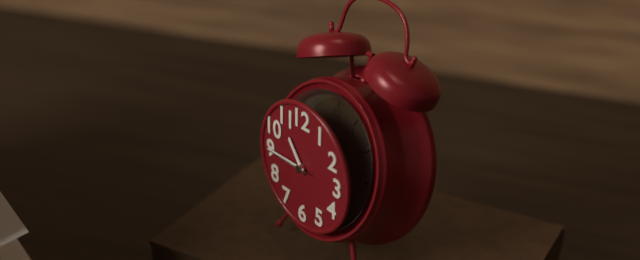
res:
10:45
